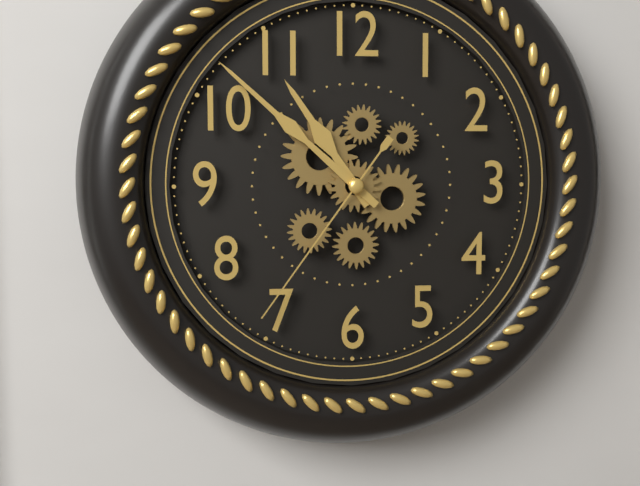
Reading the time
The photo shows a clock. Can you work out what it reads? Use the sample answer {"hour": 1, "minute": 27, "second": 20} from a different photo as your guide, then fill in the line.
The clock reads {"hour": 10, "minute": 52, "second": 36}
